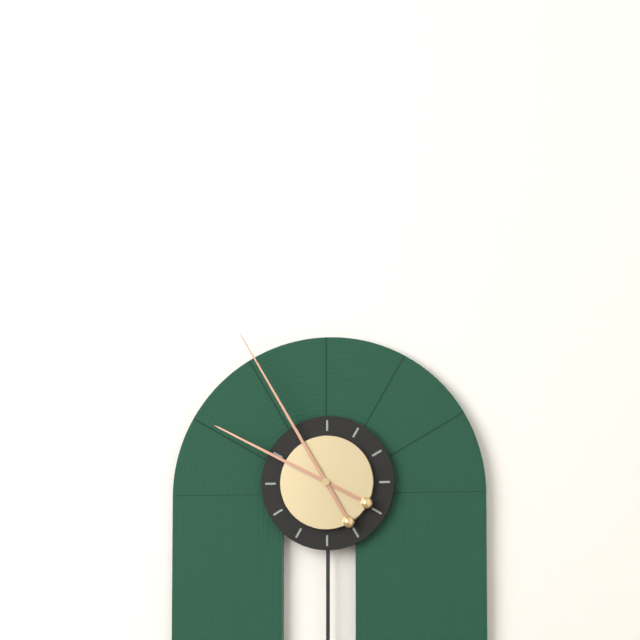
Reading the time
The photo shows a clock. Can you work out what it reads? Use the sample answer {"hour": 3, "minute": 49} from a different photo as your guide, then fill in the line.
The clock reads {"hour": 9, "minute": 55}
